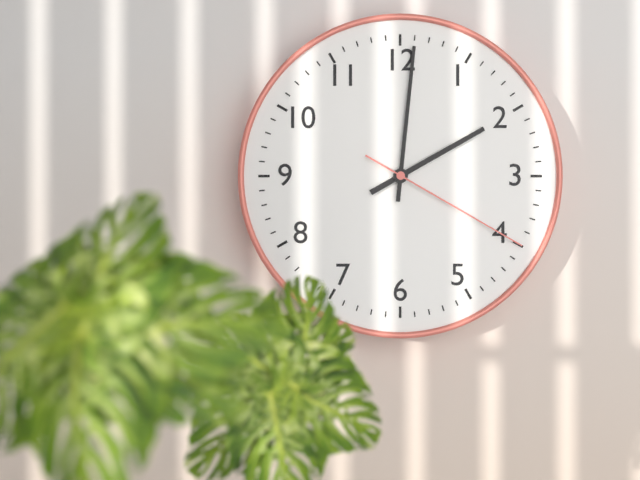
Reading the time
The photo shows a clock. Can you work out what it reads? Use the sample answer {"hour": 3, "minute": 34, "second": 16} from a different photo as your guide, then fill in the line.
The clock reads {"hour": 2, "minute": 1, "second": 20}
